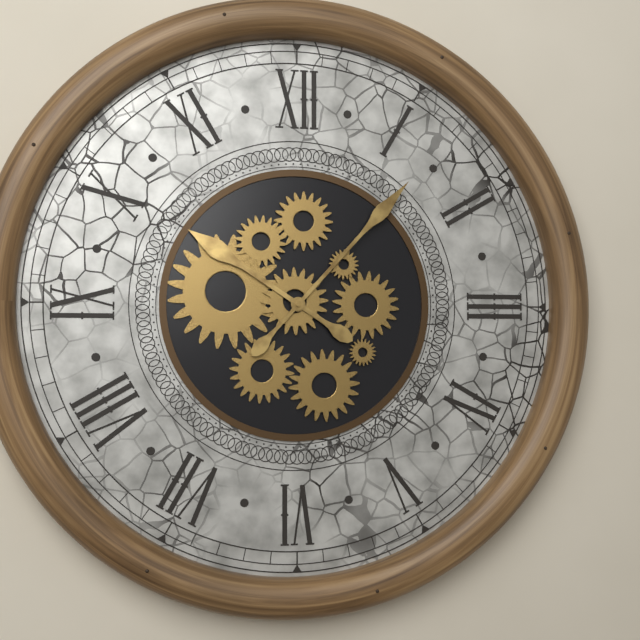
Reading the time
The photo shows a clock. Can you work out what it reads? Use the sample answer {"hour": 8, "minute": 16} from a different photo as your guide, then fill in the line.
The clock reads {"hour": 10, "minute": 7}
